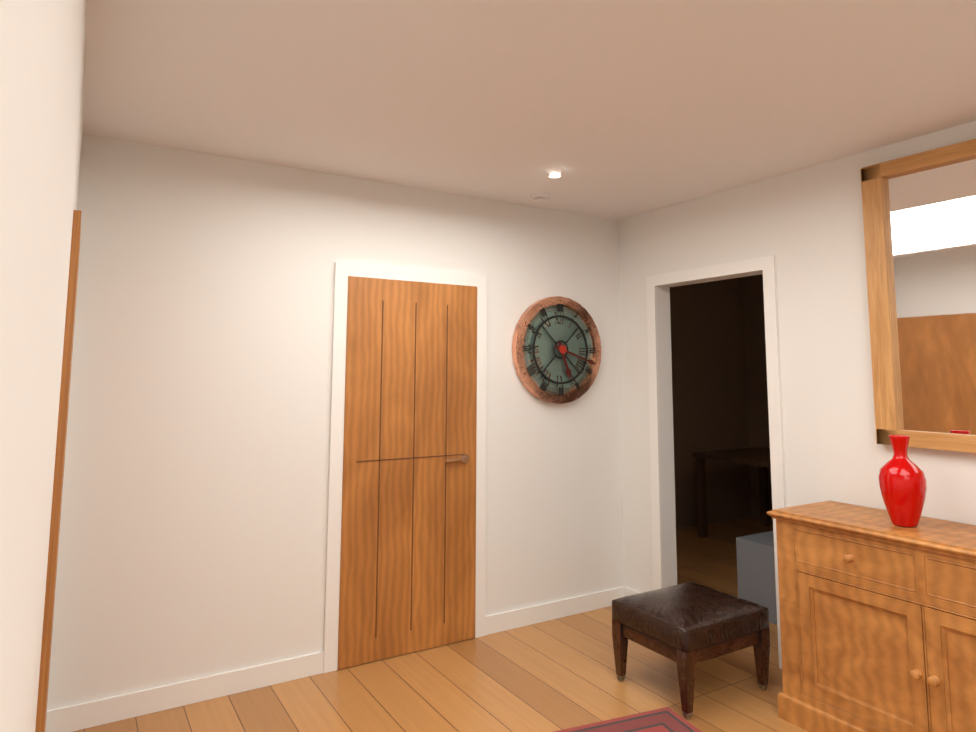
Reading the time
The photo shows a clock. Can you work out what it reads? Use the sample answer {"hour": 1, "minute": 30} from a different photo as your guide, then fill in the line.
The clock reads {"hour": 5, "minute": 18}
